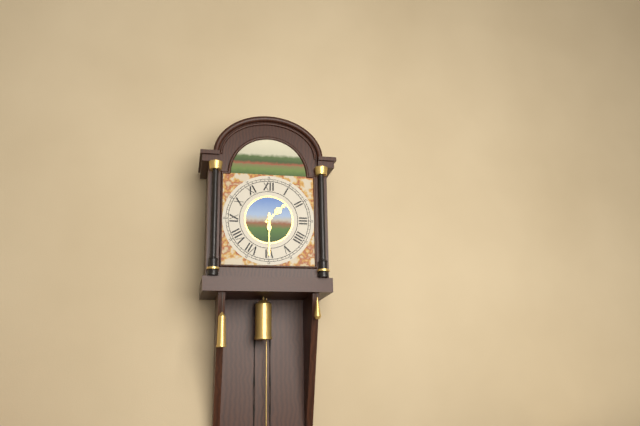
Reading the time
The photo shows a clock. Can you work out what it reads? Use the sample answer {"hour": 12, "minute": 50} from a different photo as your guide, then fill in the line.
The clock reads {"hour": 1, "minute": 30}
